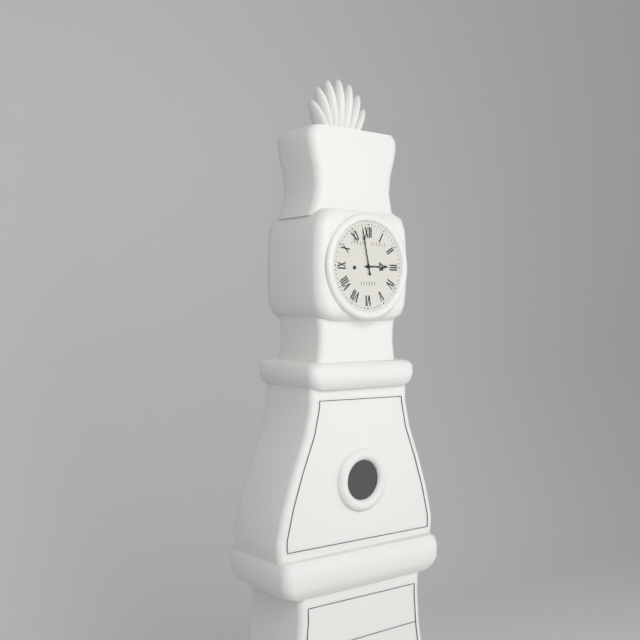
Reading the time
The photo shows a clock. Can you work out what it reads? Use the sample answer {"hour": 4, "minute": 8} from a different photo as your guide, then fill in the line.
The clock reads {"hour": 2, "minute": 58}
